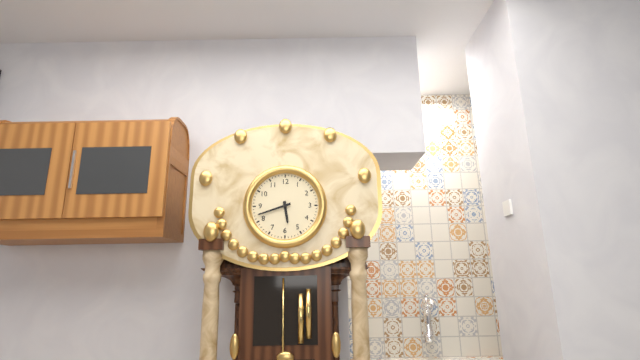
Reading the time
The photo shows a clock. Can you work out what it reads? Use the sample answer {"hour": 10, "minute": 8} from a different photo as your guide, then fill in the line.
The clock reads {"hour": 5, "minute": 42}
